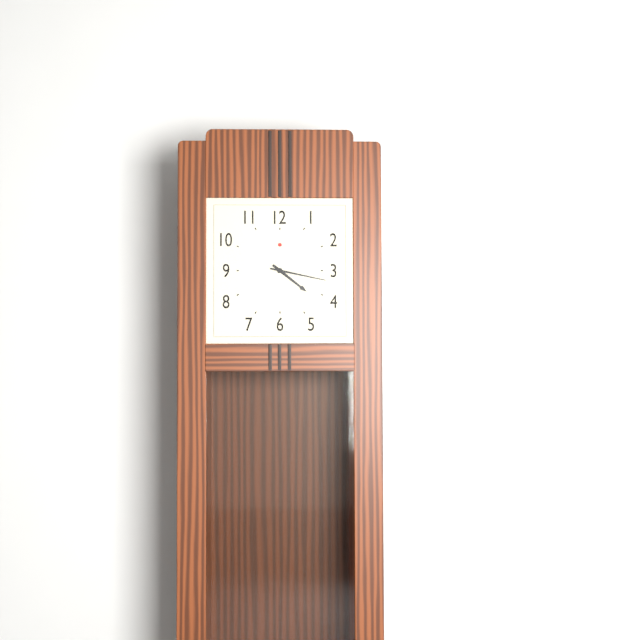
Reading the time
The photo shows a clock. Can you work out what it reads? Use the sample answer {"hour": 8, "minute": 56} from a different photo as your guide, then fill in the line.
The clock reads {"hour": 4, "minute": 17}
